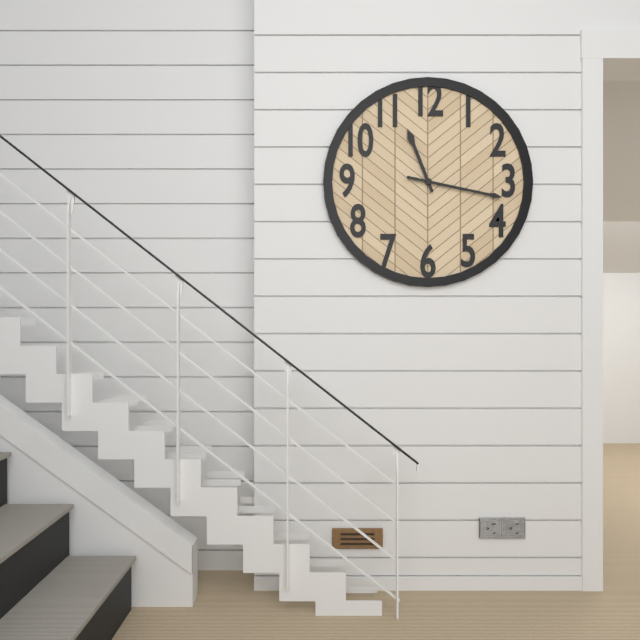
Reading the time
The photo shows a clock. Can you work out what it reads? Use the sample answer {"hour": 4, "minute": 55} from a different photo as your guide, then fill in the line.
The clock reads {"hour": 11, "minute": 17}
